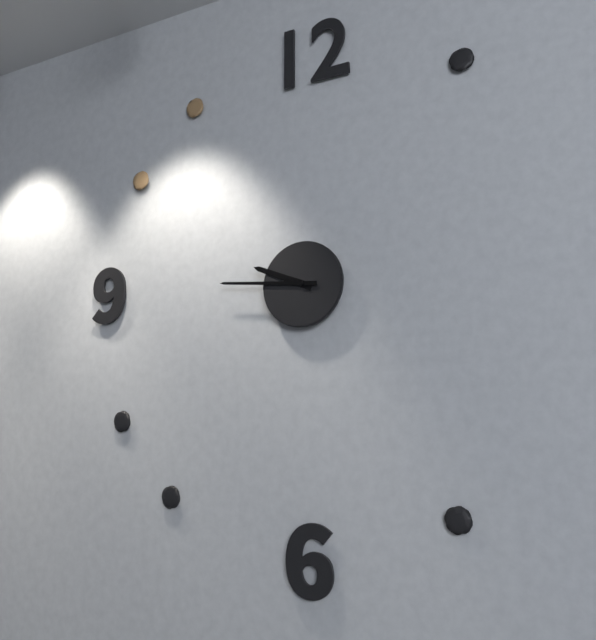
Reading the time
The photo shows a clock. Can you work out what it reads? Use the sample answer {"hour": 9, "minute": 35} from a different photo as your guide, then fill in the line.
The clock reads {"hour": 9, "minute": 46}
